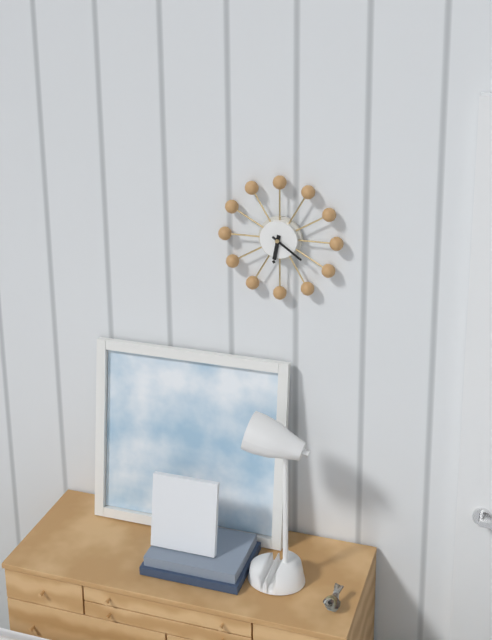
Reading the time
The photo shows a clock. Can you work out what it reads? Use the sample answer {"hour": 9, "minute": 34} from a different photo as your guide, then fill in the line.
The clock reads {"hour": 6, "minute": 21}
